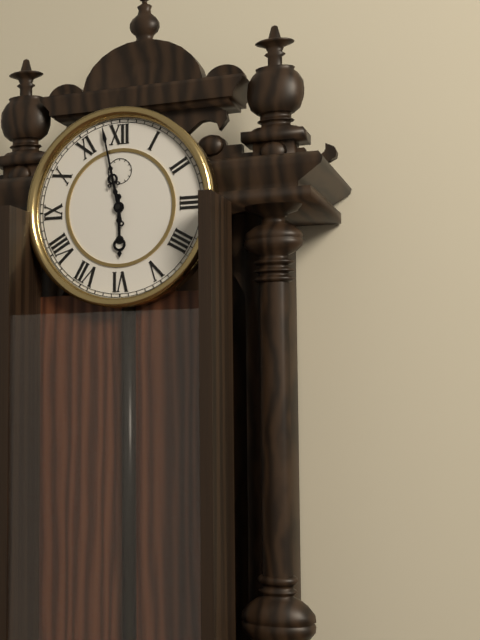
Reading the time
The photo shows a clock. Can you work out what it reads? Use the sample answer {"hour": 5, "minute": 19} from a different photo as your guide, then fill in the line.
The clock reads {"hour": 5, "minute": 58}
